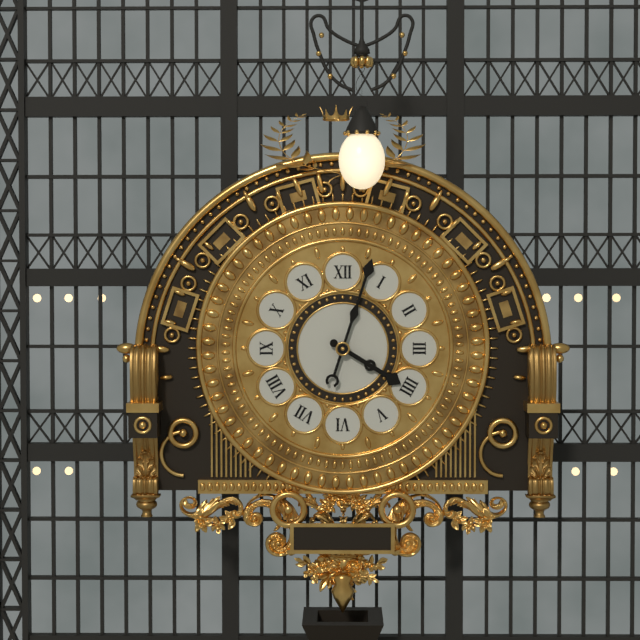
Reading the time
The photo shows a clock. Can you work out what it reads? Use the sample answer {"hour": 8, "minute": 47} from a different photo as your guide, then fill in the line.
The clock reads {"hour": 4, "minute": 3}
